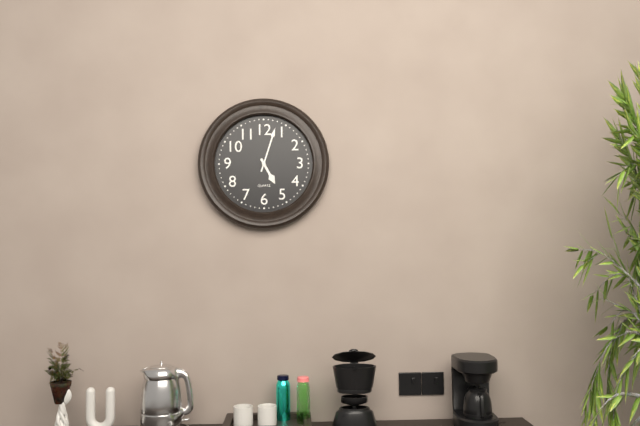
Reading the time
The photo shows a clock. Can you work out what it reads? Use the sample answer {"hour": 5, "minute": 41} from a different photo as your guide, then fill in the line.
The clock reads {"hour": 5, "minute": 3}
